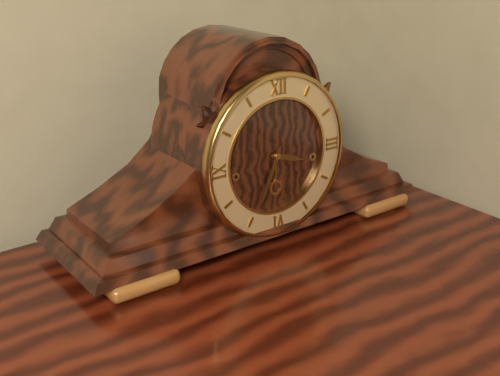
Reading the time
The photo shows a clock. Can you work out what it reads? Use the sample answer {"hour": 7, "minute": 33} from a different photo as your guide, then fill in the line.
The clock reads {"hour": 3, "minute": 34}
